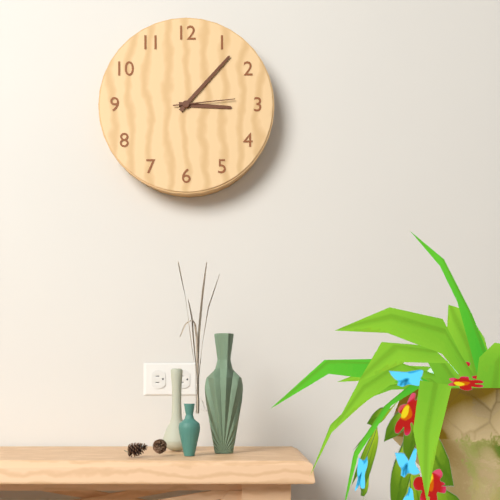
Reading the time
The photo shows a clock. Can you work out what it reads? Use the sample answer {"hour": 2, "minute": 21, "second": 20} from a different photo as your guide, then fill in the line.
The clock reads {"hour": 3, "minute": 7, "second": 14}
